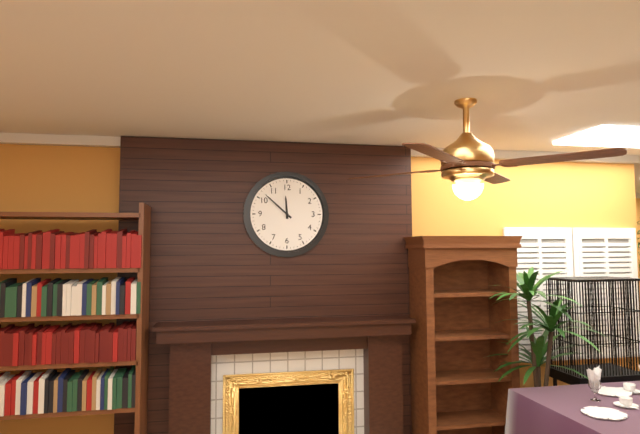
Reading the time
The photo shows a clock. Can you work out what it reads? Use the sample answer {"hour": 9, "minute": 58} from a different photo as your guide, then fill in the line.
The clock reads {"hour": 11, "minute": 52}
